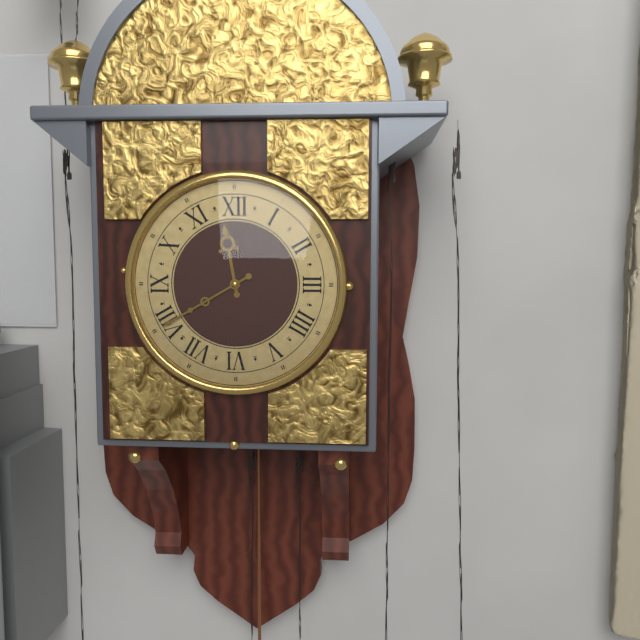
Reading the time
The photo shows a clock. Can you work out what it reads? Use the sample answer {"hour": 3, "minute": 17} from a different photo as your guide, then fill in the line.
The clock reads {"hour": 11, "minute": 40}
